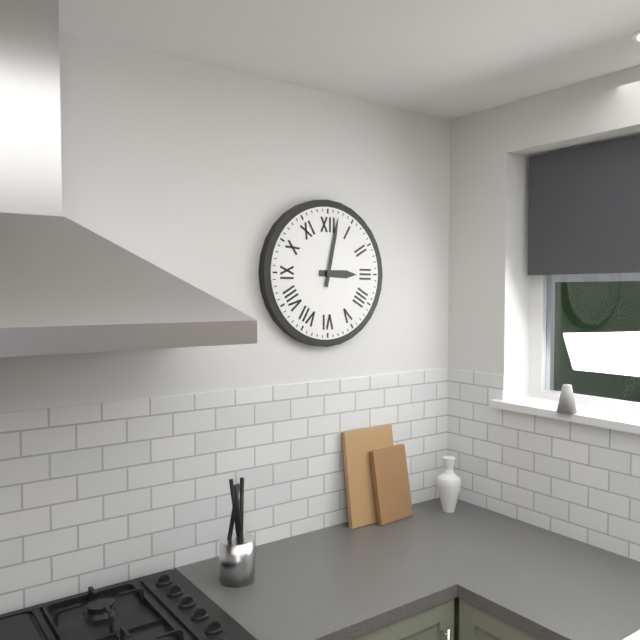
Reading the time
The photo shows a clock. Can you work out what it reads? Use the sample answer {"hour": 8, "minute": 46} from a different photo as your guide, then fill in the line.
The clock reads {"hour": 3, "minute": 2}
